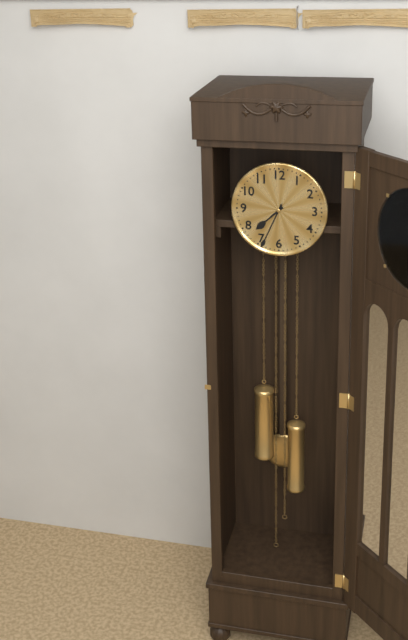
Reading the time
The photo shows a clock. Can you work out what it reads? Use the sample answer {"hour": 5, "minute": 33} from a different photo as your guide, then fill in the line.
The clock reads {"hour": 7, "minute": 34}
